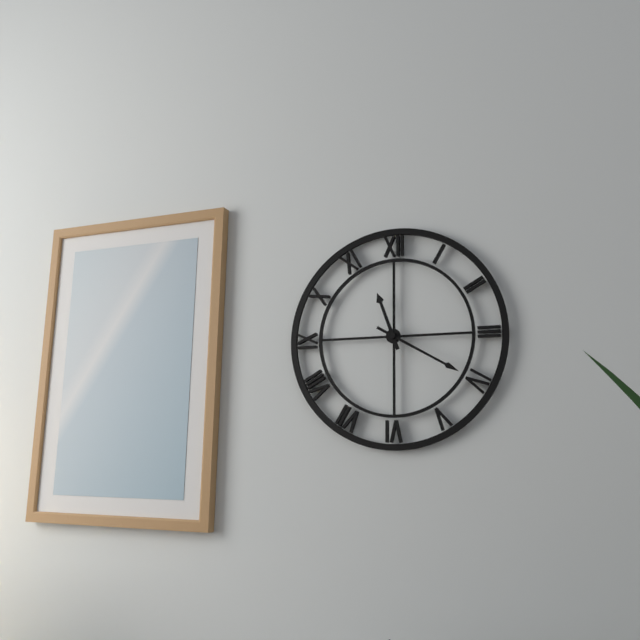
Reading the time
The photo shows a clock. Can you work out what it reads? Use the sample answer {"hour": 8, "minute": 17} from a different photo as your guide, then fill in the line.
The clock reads {"hour": 11, "minute": 20}
